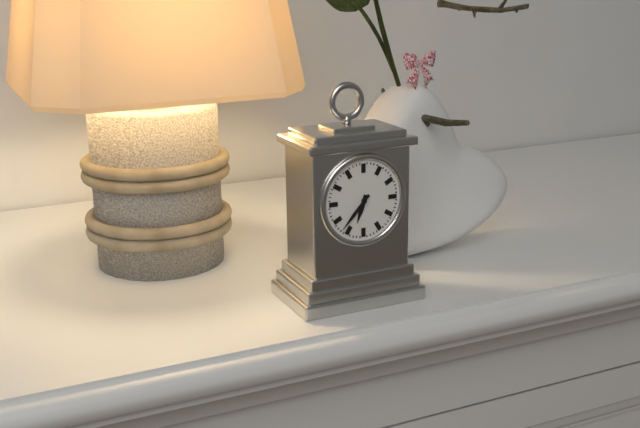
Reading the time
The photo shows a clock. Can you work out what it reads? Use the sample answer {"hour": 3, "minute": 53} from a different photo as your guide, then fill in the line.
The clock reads {"hour": 6, "minute": 37}
